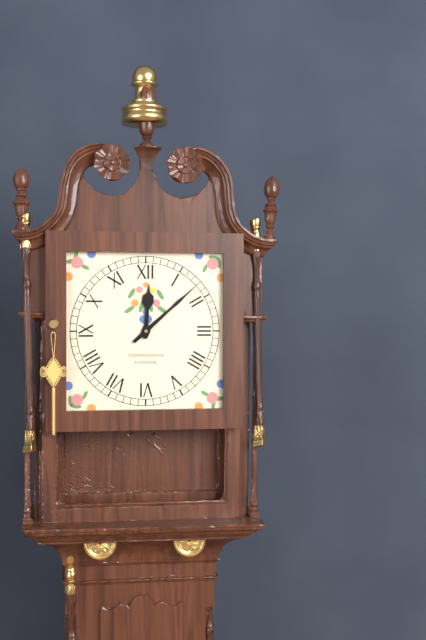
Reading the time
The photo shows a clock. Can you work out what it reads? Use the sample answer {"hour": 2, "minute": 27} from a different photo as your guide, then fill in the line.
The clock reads {"hour": 12, "minute": 8}
